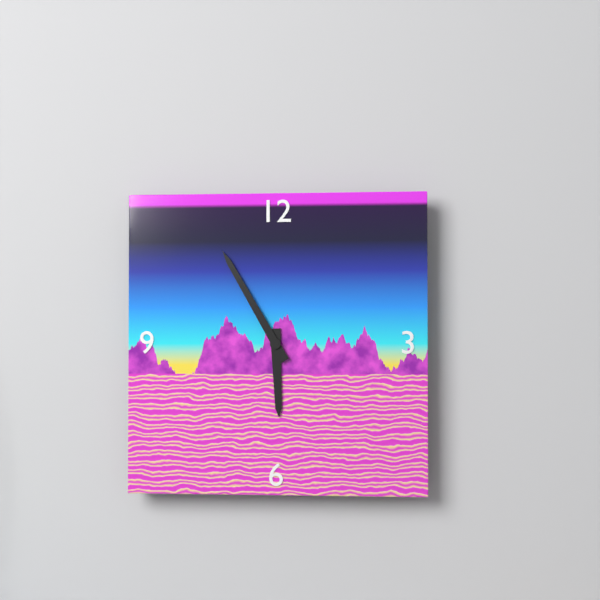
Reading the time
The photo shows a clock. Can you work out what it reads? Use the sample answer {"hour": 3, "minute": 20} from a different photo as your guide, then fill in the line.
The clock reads {"hour": 5, "minute": 55}
